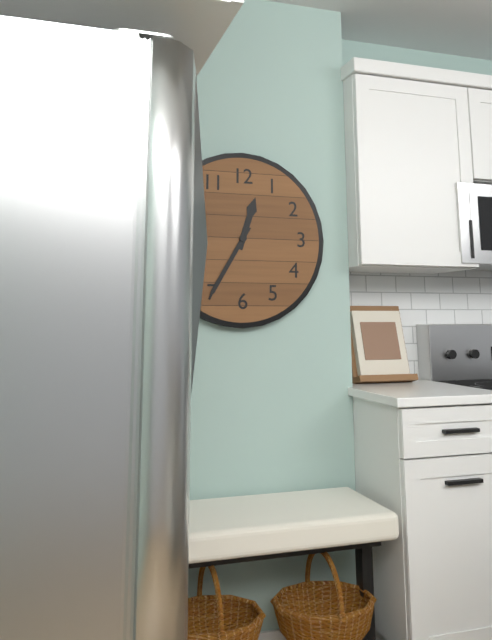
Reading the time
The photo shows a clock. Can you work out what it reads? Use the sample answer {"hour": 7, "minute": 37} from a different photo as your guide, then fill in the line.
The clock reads {"hour": 12, "minute": 35}
